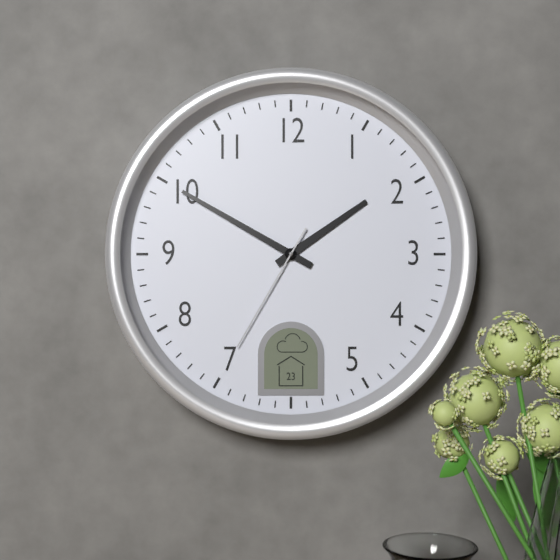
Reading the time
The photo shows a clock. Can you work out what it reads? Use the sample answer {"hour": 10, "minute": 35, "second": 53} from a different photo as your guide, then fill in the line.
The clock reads {"hour": 1, "minute": 50, "second": 35}
